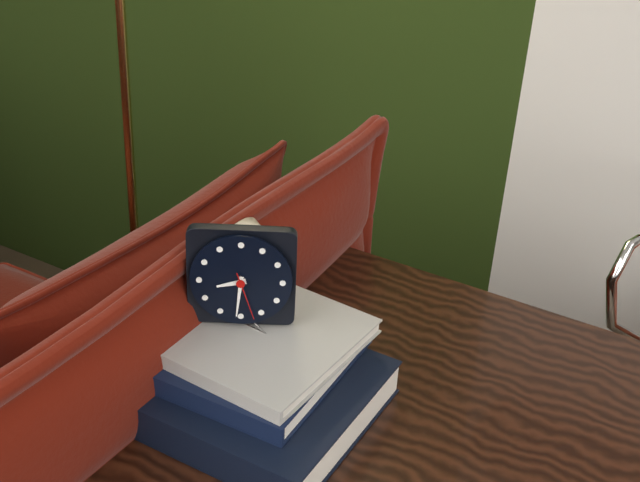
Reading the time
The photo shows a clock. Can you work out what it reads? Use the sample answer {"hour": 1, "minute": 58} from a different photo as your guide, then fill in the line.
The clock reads {"hour": 8, "minute": 31}
